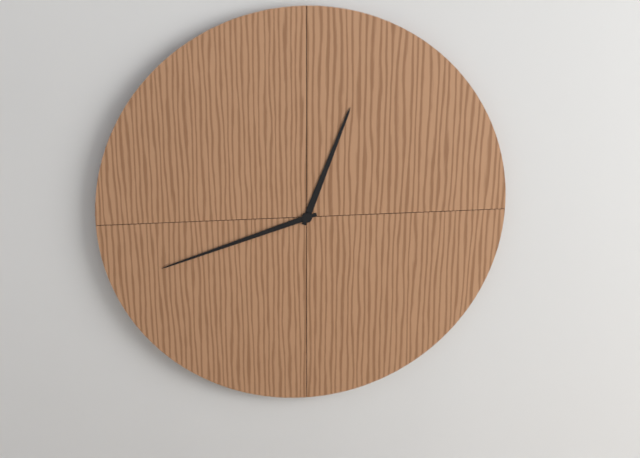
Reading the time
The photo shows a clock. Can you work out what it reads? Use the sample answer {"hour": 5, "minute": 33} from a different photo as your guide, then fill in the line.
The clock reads {"hour": 12, "minute": 42}
